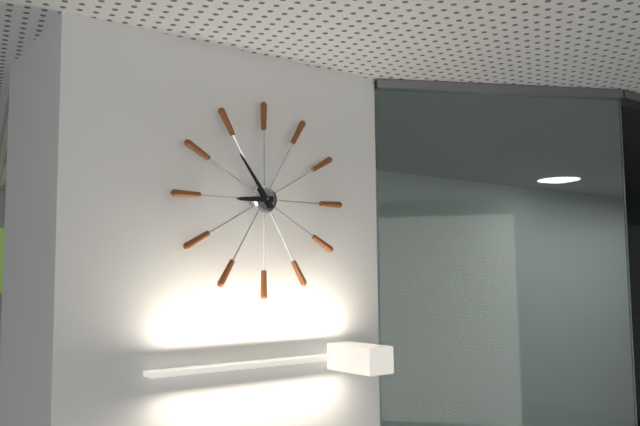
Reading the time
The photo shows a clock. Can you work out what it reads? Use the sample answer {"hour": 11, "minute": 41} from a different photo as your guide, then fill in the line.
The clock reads {"hour": 8, "minute": 54}
